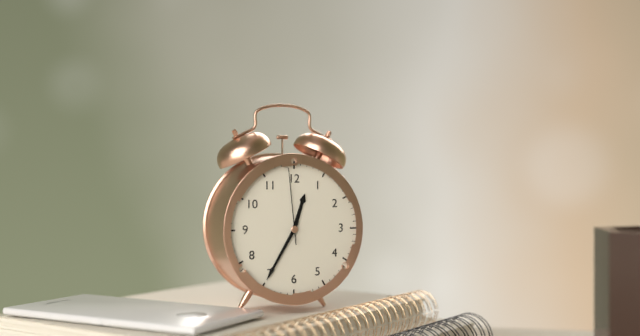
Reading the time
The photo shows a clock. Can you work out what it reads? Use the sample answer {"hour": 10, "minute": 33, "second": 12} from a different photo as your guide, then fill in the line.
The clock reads {"hour": 12, "minute": 35, "second": 59}
